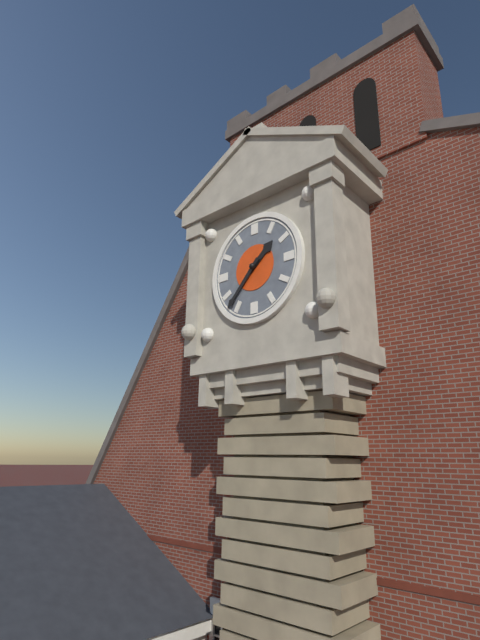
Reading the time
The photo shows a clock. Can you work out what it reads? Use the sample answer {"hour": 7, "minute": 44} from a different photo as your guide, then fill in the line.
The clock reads {"hour": 1, "minute": 37}
